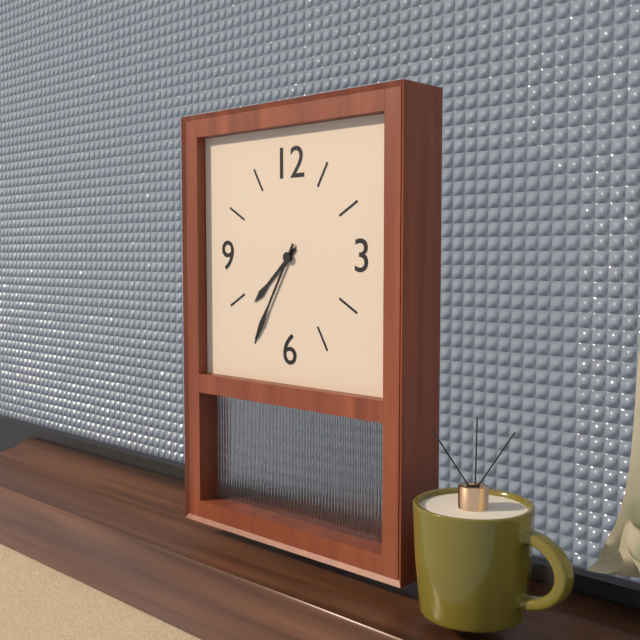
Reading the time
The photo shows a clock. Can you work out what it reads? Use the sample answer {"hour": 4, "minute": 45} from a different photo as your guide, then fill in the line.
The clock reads {"hour": 7, "minute": 35}
